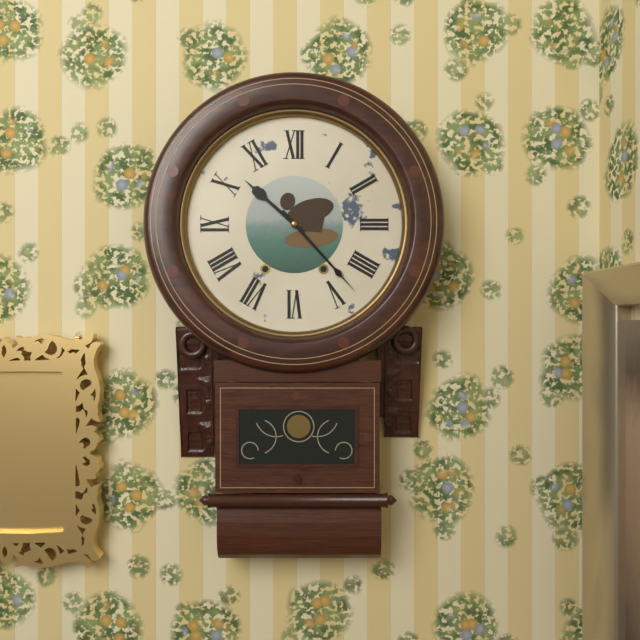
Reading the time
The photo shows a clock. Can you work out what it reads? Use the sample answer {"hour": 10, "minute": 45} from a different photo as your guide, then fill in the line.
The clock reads {"hour": 10, "minute": 23}
